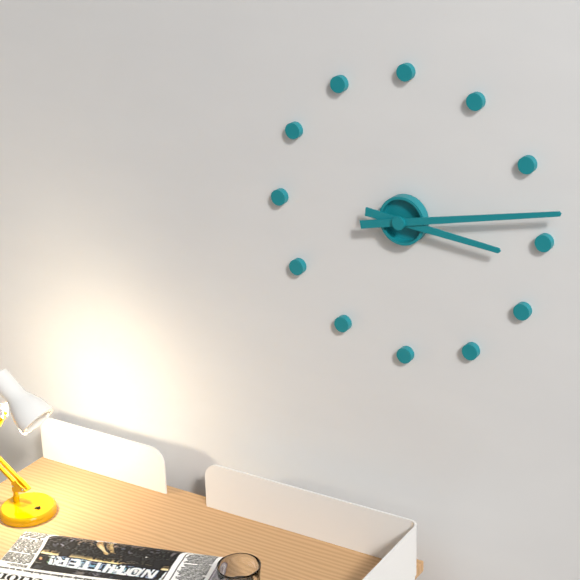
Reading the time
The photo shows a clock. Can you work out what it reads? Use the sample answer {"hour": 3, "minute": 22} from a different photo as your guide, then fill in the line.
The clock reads {"hour": 3, "minute": 13}
